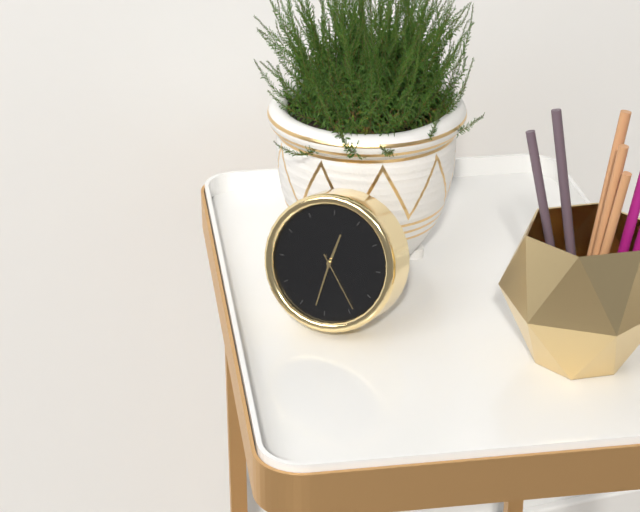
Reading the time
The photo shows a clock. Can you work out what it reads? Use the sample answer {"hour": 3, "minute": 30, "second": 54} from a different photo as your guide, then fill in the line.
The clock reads {"hour": 12, "minute": 32, "second": 24}
